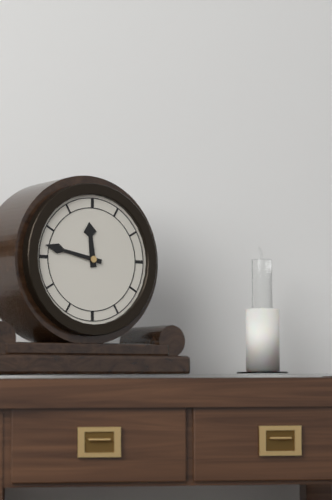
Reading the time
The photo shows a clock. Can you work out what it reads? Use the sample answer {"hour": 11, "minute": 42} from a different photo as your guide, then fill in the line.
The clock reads {"hour": 11, "minute": 47}
